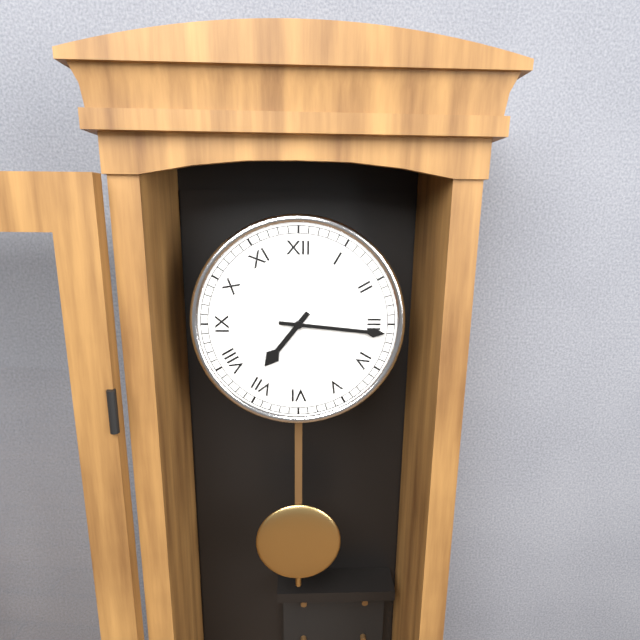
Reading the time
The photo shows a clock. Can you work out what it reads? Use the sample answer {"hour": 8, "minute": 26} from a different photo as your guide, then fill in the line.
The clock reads {"hour": 7, "minute": 16}
